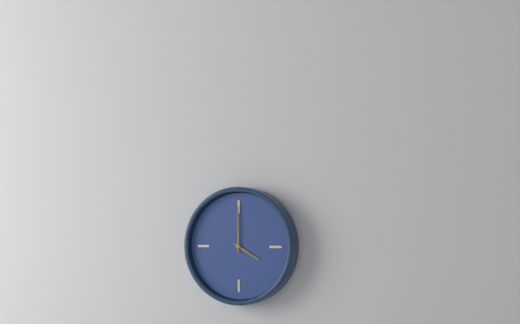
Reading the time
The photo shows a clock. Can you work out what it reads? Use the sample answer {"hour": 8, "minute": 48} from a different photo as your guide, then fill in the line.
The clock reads {"hour": 4, "minute": 0}
